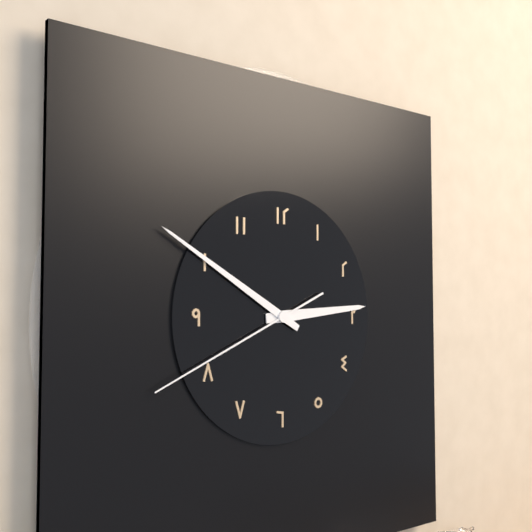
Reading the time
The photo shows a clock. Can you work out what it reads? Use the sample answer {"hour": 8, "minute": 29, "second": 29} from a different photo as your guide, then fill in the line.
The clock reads {"hour": 2, "minute": 50, "second": 41}
